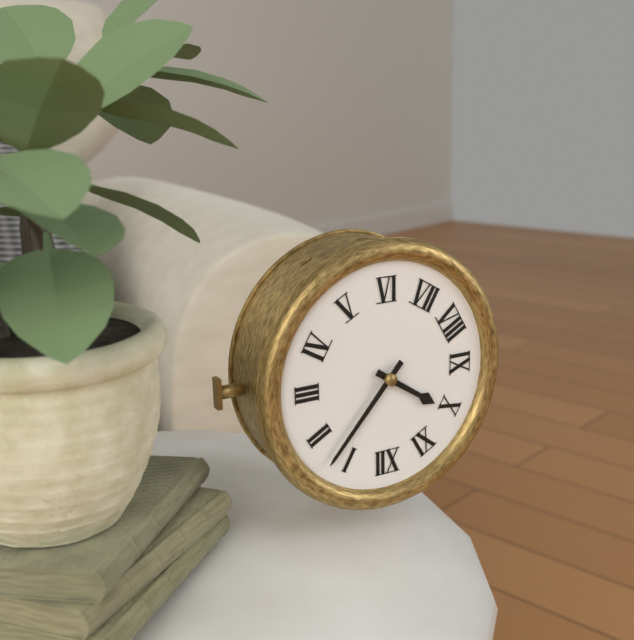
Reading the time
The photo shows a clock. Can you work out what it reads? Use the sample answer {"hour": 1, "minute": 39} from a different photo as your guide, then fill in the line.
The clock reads {"hour": 10, "minute": 7}
